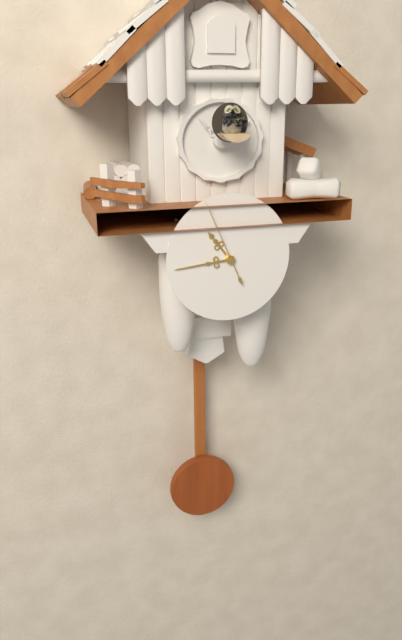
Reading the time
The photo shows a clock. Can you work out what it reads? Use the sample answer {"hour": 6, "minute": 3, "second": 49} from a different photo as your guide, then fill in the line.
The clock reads {"hour": 10, "minute": 44, "second": 56}
